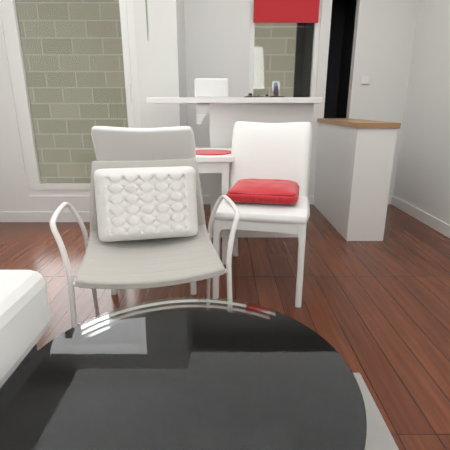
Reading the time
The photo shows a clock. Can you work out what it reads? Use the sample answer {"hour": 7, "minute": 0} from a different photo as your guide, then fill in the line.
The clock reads {"hour": 3, "minute": 2}
